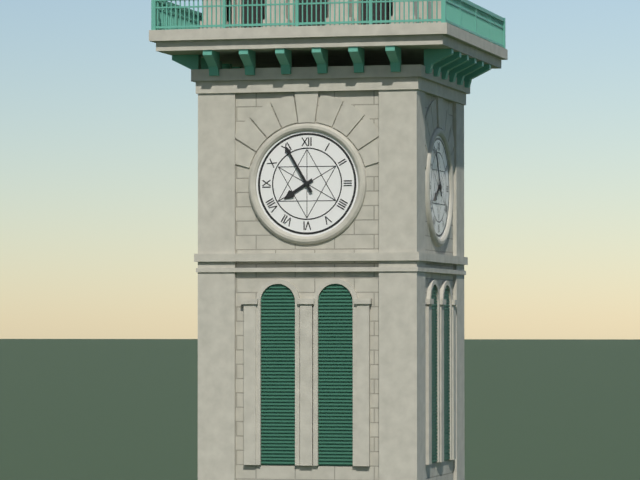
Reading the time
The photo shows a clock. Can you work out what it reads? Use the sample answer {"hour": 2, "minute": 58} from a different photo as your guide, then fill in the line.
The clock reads {"hour": 7, "minute": 55}
